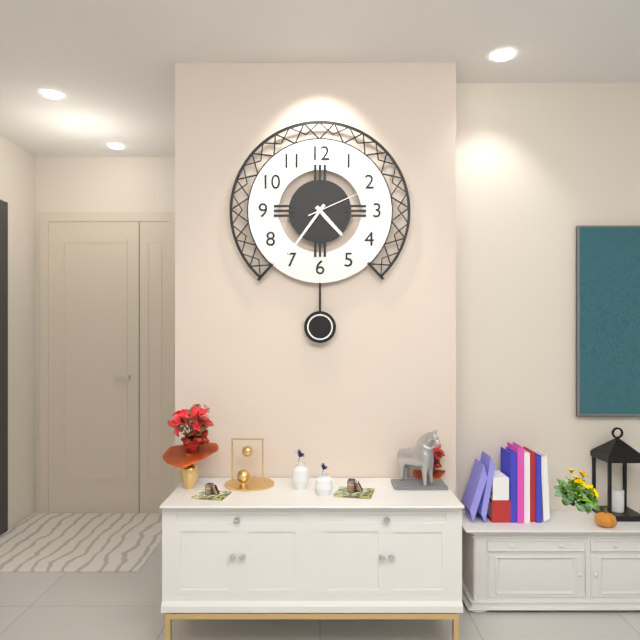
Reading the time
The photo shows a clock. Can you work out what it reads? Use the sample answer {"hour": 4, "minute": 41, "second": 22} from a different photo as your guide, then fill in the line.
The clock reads {"hour": 4, "minute": 36, "second": 11}
